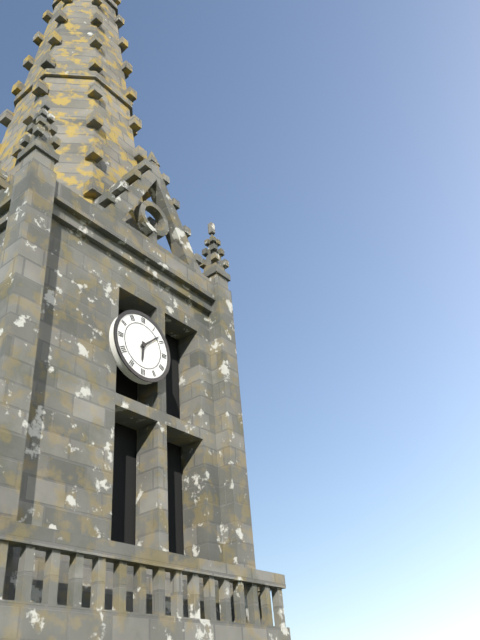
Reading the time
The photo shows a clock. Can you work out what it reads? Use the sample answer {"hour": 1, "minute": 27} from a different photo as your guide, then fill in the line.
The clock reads {"hour": 6, "minute": 8}
